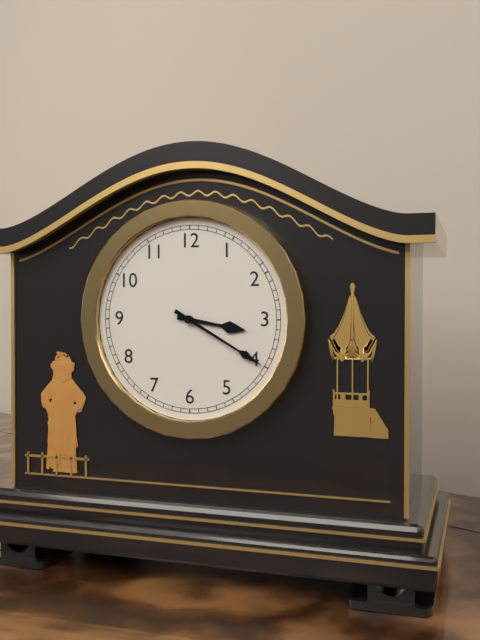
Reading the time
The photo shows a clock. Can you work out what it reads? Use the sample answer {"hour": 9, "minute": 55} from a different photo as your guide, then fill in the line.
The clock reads {"hour": 3, "minute": 20}
